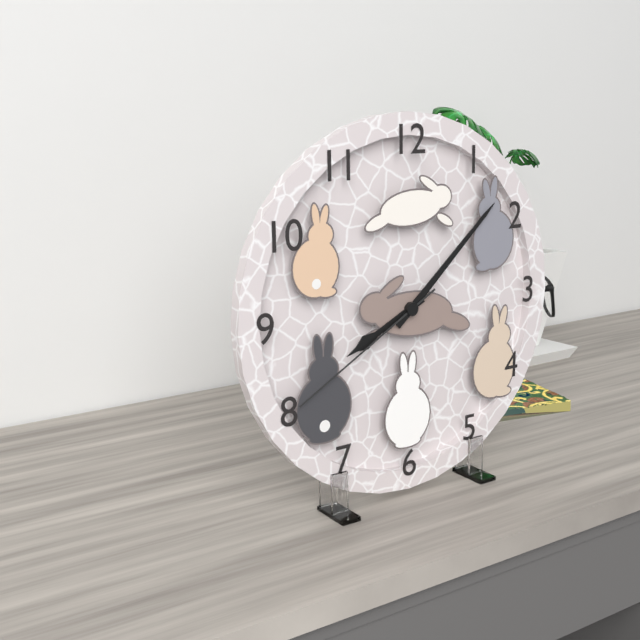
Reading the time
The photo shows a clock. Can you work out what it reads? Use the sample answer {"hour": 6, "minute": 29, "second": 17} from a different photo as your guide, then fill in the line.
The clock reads {"hour": 8, "minute": 8, "second": 40}
